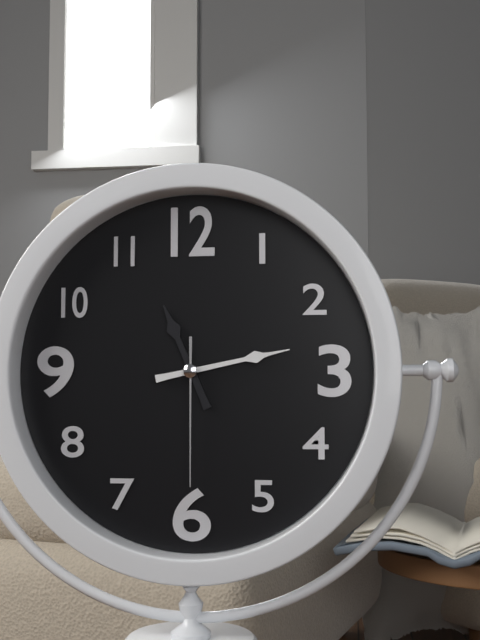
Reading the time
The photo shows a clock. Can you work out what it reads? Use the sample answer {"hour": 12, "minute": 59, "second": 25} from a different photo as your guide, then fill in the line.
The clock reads {"hour": 11, "minute": 13, "second": 30}
